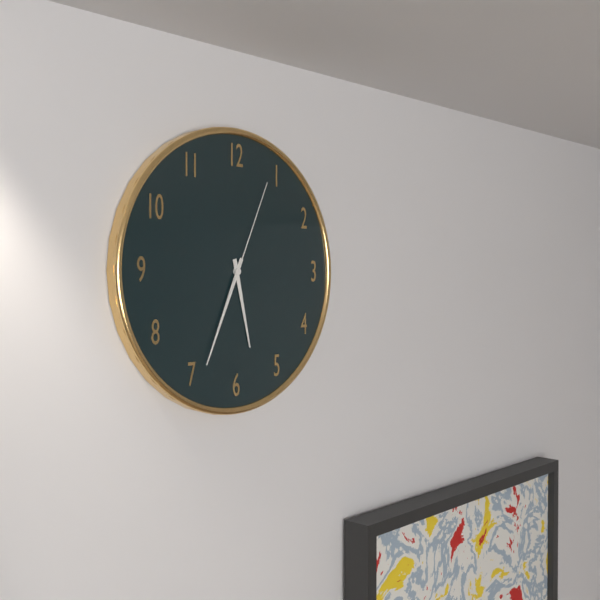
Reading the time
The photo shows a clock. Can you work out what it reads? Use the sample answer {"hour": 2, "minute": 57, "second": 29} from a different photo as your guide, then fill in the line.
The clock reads {"hour": 5, "minute": 34, "second": 4}
